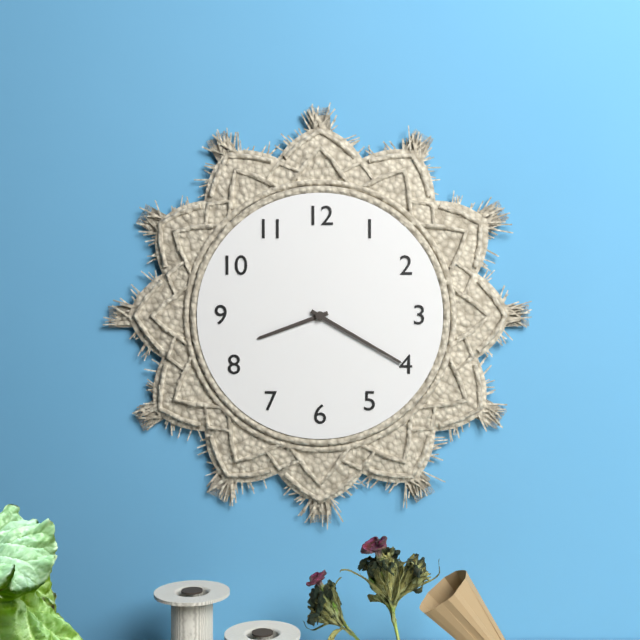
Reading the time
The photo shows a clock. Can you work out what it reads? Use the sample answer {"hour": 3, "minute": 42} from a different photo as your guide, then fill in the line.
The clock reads {"hour": 8, "minute": 20}
